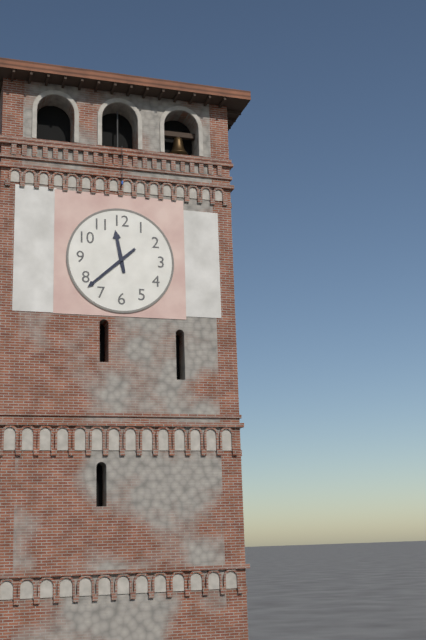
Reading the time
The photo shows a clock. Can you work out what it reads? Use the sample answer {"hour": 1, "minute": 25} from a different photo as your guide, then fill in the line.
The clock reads {"hour": 11, "minute": 38}
